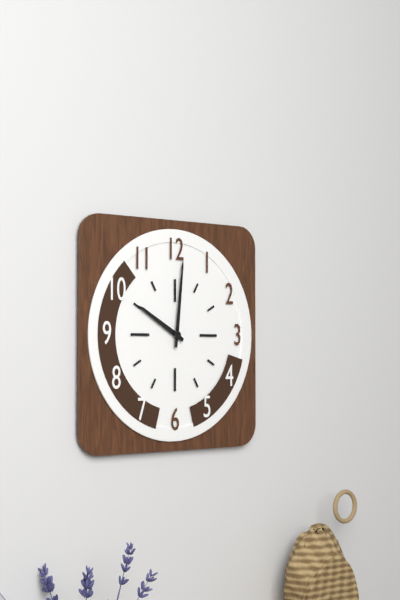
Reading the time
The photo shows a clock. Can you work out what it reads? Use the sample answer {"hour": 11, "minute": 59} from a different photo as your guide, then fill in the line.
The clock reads {"hour": 10, "minute": 1}
